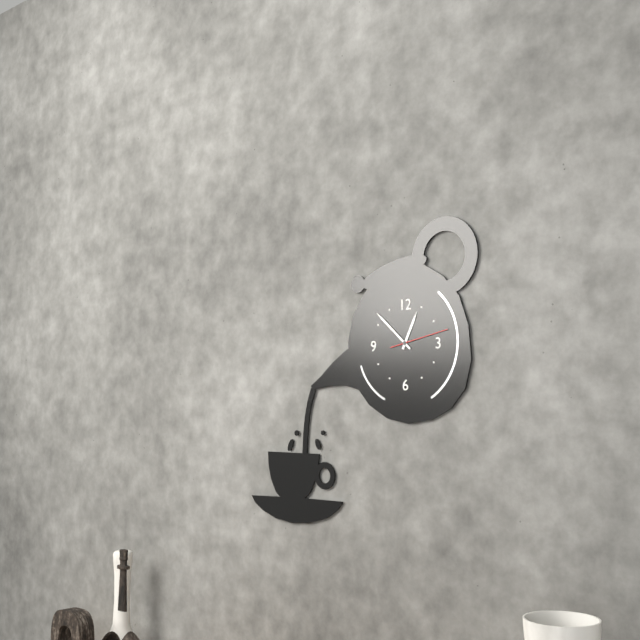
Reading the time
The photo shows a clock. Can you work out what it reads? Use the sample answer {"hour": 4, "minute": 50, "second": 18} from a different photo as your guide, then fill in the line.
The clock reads {"hour": 12, "minute": 52, "second": 13}
